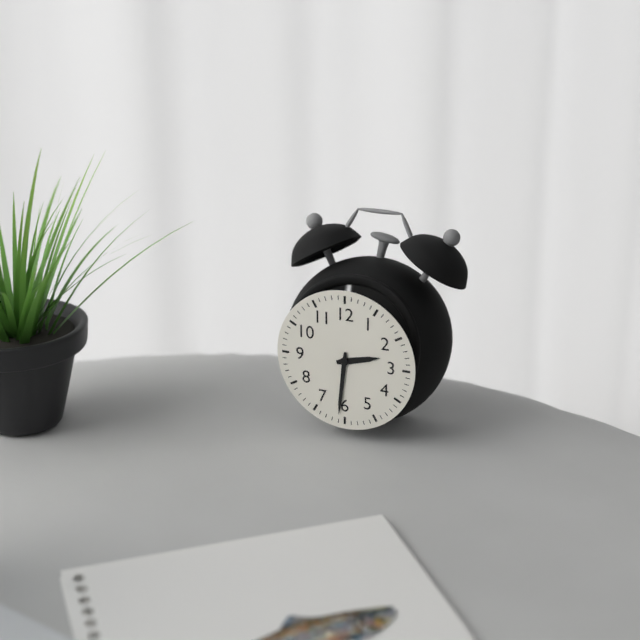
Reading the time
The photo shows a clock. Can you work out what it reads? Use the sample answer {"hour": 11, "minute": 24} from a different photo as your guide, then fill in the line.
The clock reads {"hour": 2, "minute": 31}
